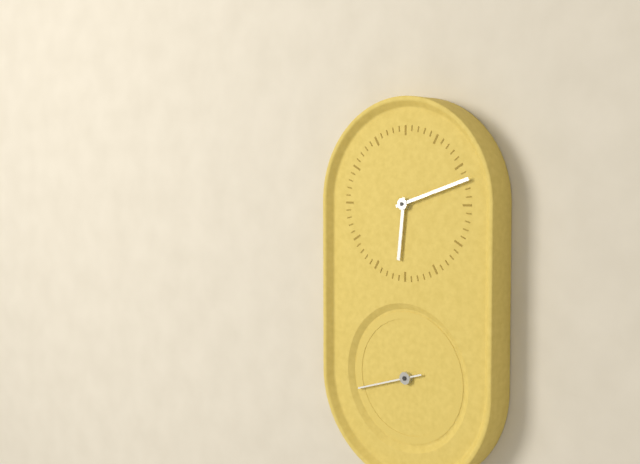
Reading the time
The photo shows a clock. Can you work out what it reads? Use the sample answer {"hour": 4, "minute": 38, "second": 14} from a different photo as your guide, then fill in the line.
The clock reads {"hour": 6, "minute": 12, "second": 42}
